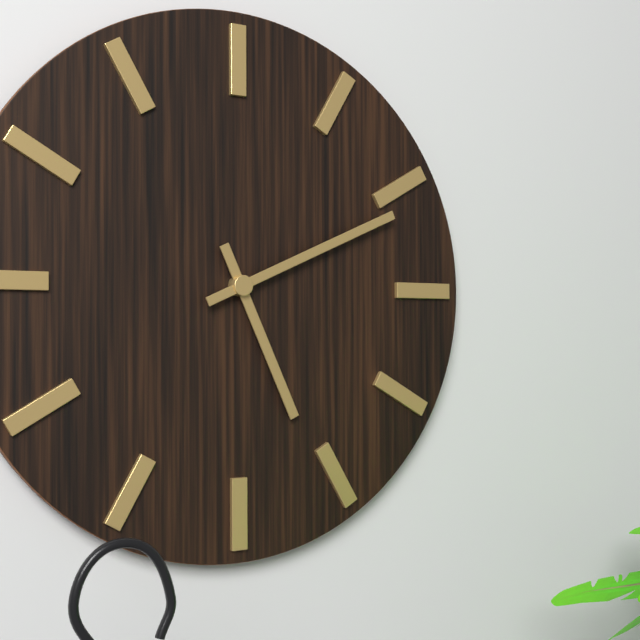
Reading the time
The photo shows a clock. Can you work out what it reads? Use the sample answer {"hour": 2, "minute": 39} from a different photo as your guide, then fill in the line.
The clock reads {"hour": 5, "minute": 11}
